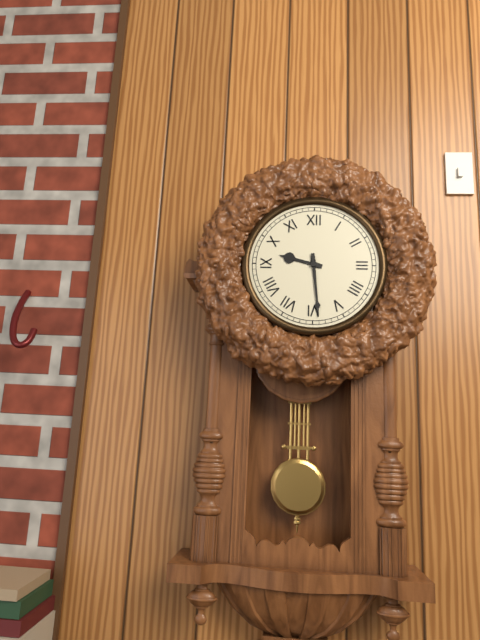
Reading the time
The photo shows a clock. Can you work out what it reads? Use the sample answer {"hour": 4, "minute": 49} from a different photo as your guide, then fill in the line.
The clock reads {"hour": 9, "minute": 29}
